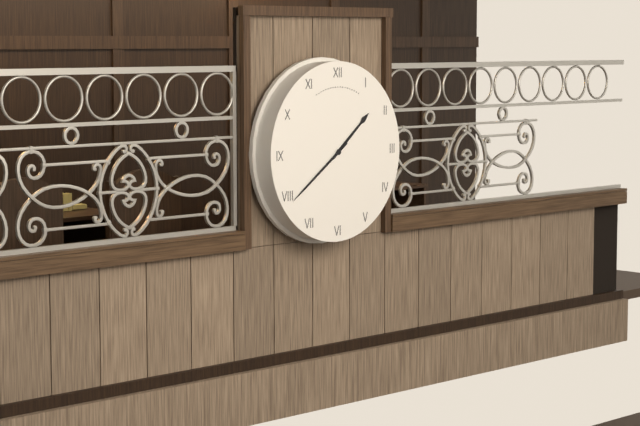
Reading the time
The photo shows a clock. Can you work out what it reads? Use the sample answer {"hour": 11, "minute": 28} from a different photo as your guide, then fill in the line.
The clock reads {"hour": 1, "minute": 39}
